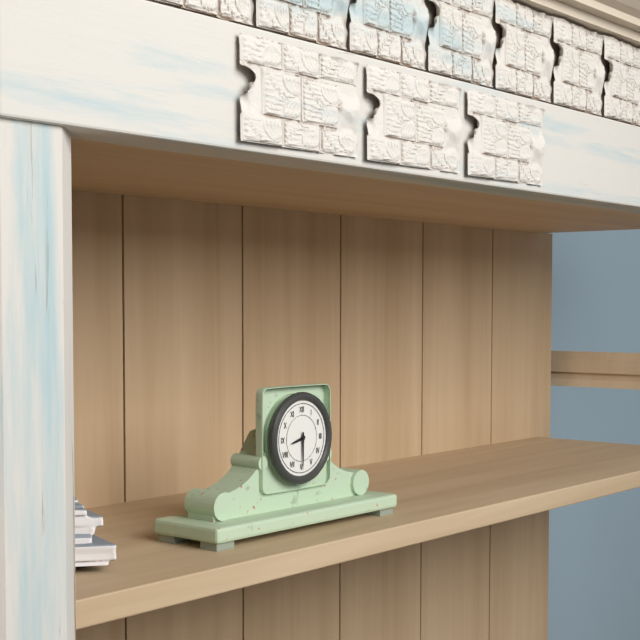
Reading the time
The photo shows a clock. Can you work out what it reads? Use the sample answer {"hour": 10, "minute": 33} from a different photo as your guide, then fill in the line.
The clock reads {"hour": 8, "minute": 30}
